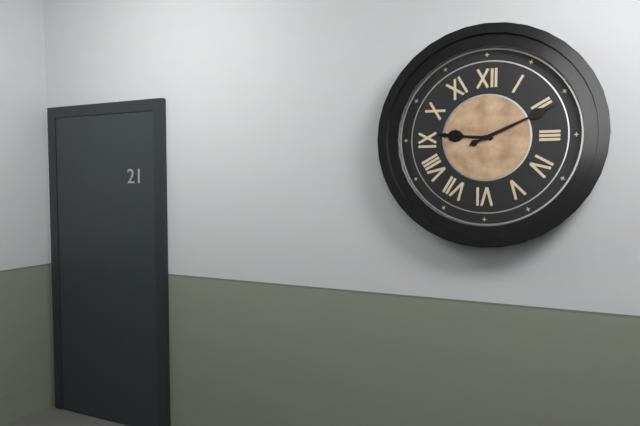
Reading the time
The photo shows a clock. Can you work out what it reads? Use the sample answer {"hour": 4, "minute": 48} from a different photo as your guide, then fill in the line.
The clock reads {"hour": 9, "minute": 11}
